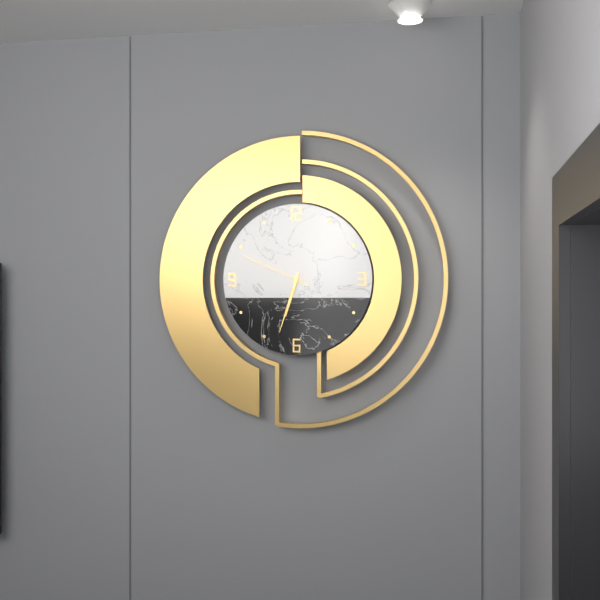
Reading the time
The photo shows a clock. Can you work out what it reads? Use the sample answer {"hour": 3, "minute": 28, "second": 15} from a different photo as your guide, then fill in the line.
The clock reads {"hour": 6, "minute": 33, "second": 49}
